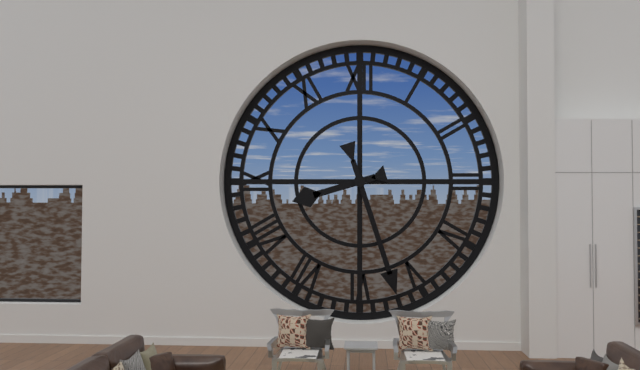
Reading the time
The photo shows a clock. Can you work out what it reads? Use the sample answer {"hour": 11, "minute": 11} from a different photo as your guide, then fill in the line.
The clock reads {"hour": 8, "minute": 27}
